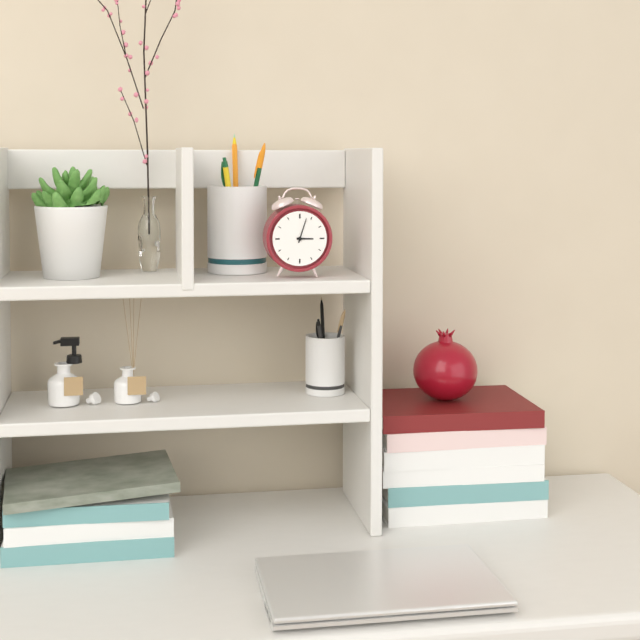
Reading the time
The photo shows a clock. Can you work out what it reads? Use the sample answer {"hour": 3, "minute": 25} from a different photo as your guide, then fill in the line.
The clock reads {"hour": 3, "minute": 3}
